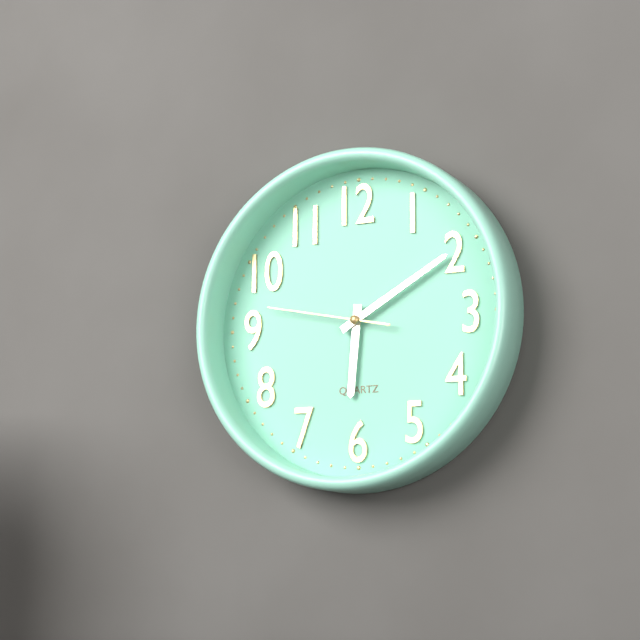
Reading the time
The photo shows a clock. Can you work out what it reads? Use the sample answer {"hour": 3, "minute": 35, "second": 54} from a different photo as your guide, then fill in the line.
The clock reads {"hour": 6, "minute": 10, "second": 47}
